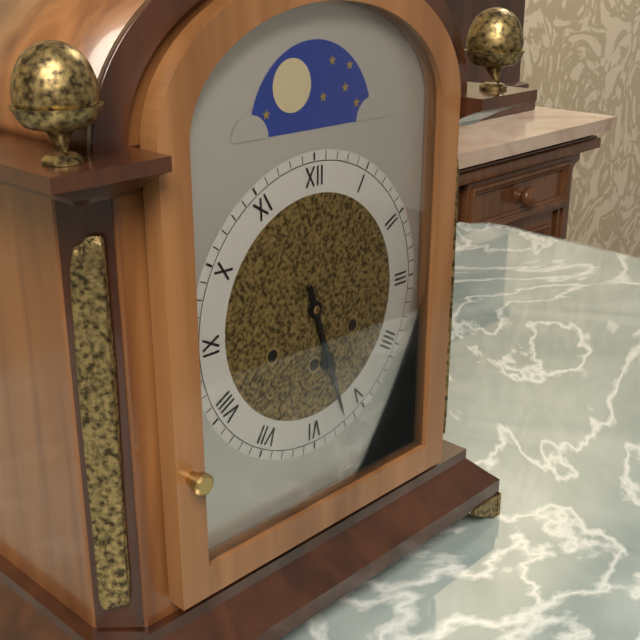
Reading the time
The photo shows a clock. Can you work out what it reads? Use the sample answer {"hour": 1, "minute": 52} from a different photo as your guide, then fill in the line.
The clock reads {"hour": 5, "minute": 27}
